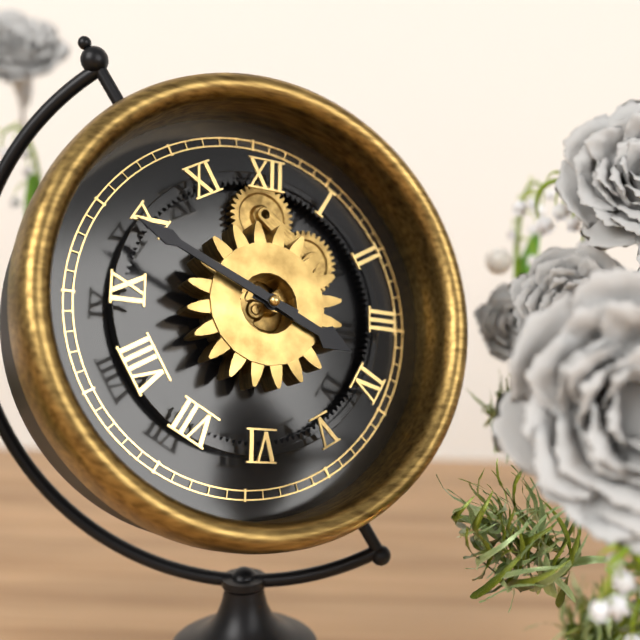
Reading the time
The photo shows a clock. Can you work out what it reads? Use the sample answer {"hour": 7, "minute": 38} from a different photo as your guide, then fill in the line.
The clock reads {"hour": 3, "minute": 49}
